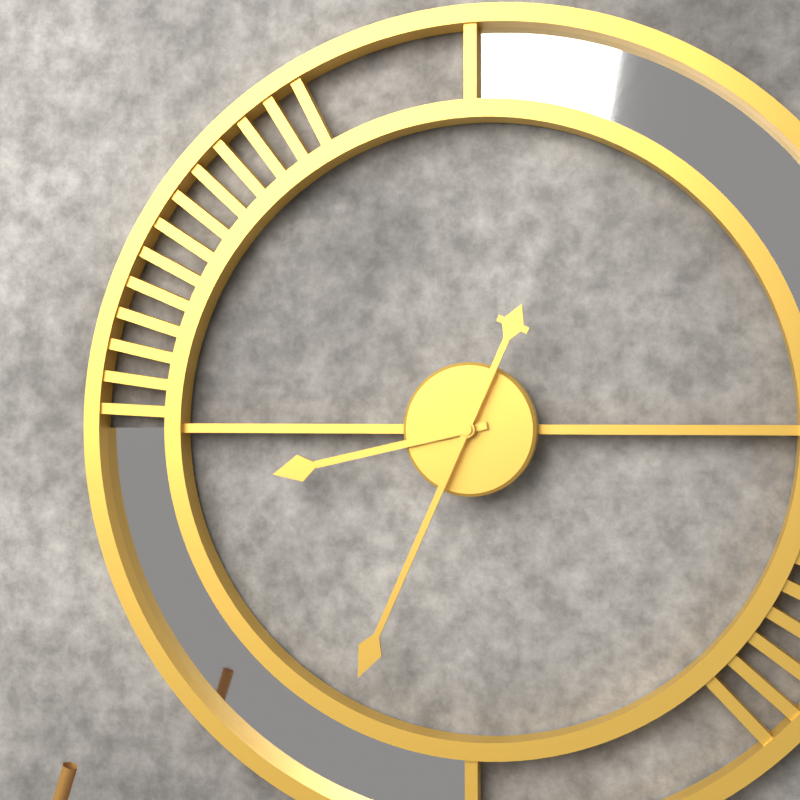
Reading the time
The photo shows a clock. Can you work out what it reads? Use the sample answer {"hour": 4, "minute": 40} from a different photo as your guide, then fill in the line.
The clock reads {"hour": 8, "minute": 34}
